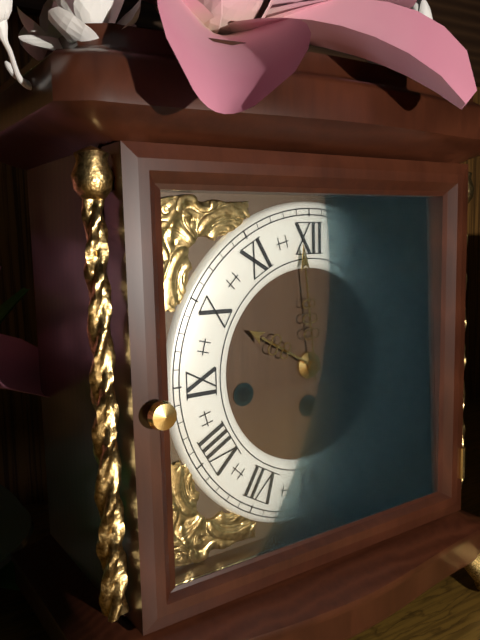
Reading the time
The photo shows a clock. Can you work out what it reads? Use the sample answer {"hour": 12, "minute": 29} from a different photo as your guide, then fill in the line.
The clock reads {"hour": 9, "minute": 59}
